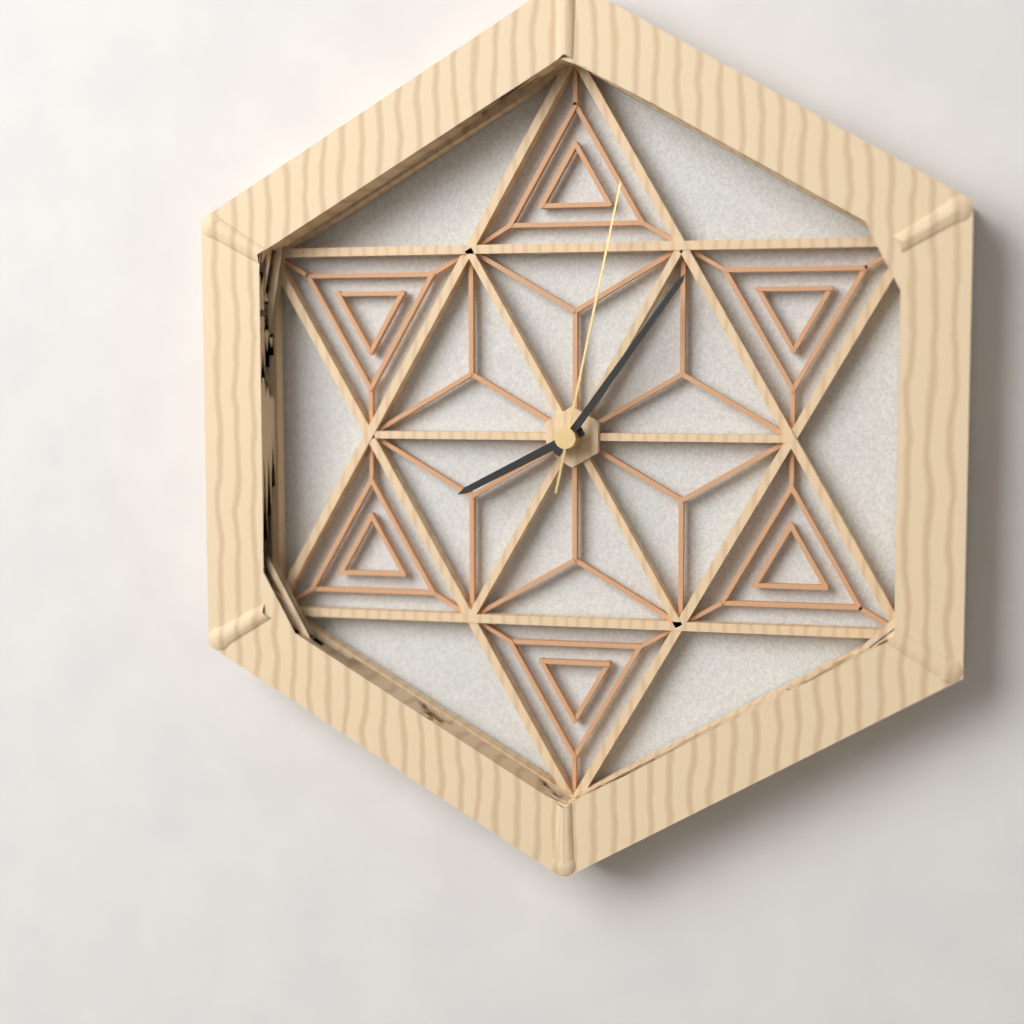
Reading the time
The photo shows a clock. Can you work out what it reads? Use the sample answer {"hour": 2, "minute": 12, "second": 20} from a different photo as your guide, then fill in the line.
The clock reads {"hour": 8, "minute": 6, "second": 2}
